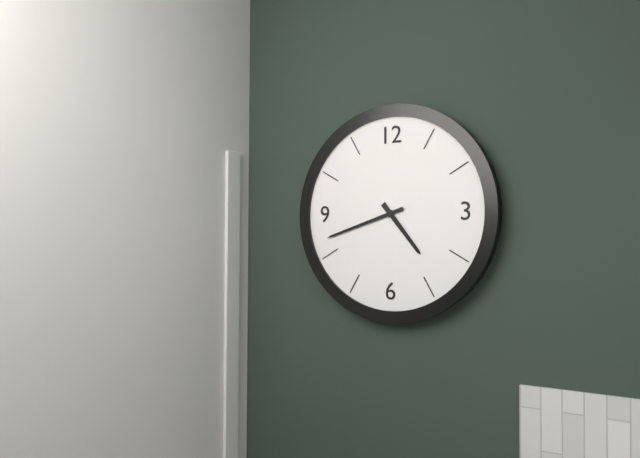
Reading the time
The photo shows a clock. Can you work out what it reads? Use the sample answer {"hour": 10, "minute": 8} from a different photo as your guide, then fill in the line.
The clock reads {"hour": 4, "minute": 42}
